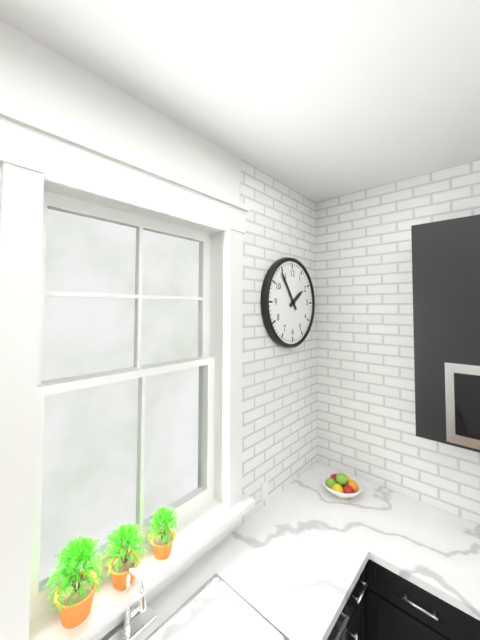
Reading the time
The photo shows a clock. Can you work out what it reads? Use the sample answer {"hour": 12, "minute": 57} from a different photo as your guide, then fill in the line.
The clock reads {"hour": 1, "minute": 54}
